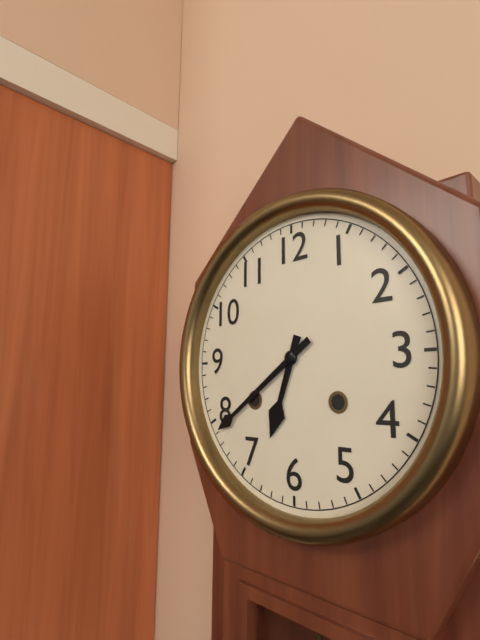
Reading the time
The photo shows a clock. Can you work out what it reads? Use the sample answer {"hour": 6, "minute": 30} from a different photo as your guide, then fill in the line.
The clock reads {"hour": 6, "minute": 39}
